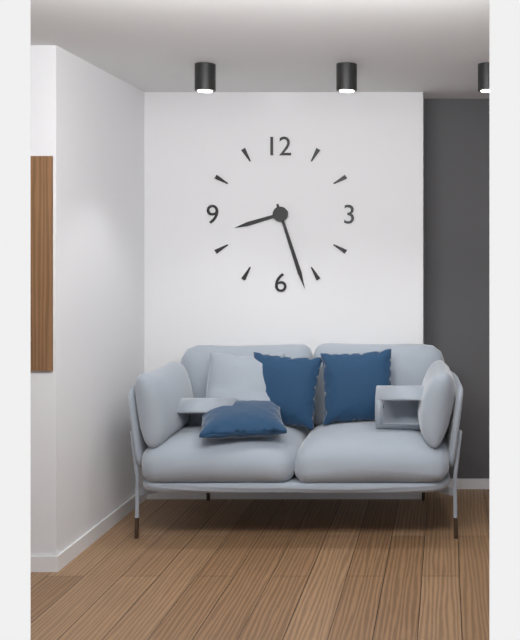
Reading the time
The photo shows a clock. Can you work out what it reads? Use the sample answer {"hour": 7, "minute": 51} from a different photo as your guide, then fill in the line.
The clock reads {"hour": 8, "minute": 27}
